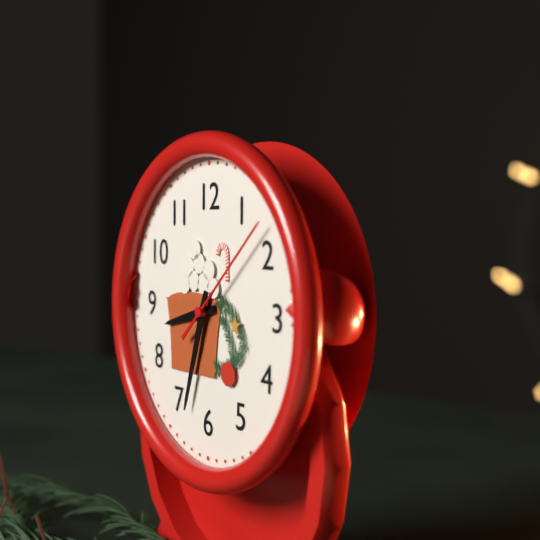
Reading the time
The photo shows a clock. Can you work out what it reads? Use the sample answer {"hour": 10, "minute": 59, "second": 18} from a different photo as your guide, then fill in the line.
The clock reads {"hour": 8, "minute": 33, "second": 8}
